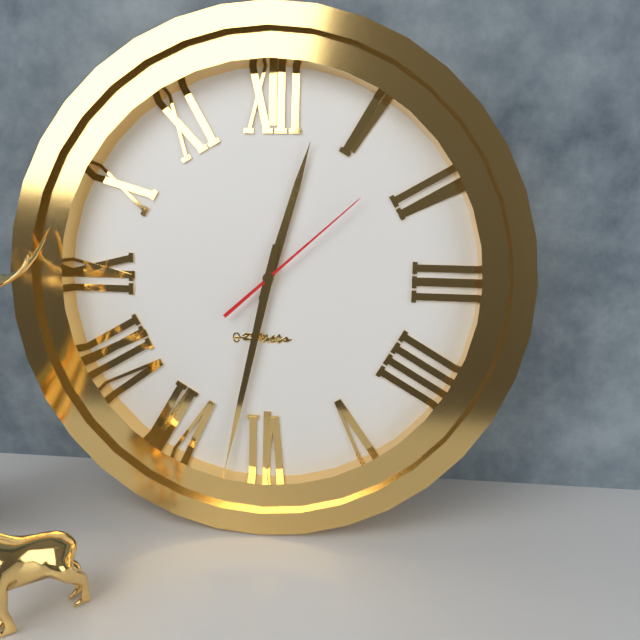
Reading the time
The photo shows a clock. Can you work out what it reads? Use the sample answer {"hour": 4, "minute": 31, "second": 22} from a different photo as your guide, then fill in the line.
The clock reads {"hour": 12, "minute": 32, "second": 8}
